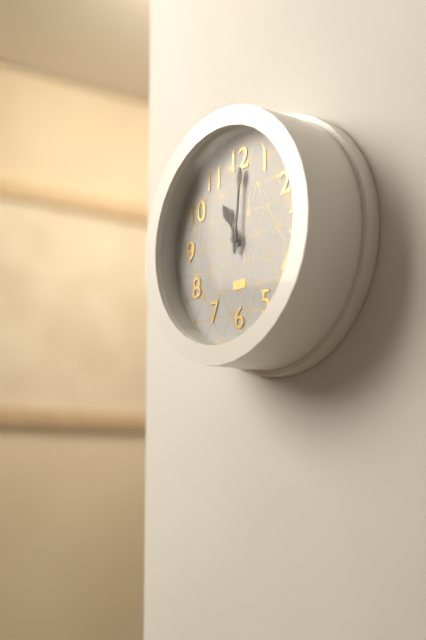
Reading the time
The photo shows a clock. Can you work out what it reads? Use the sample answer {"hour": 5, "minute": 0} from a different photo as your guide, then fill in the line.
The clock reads {"hour": 11, "minute": 1}
